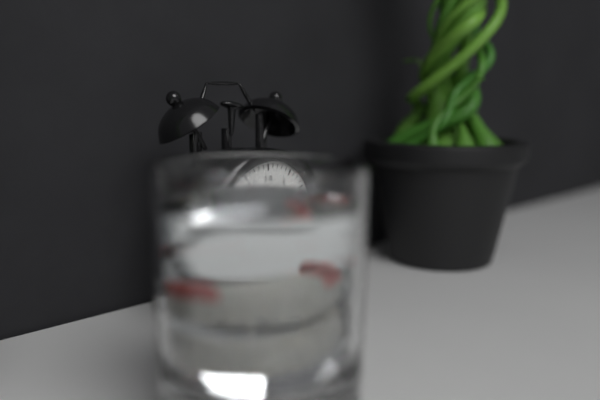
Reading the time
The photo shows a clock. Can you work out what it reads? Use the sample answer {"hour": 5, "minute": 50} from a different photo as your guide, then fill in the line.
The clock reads {"hour": 4, "minute": 21}
